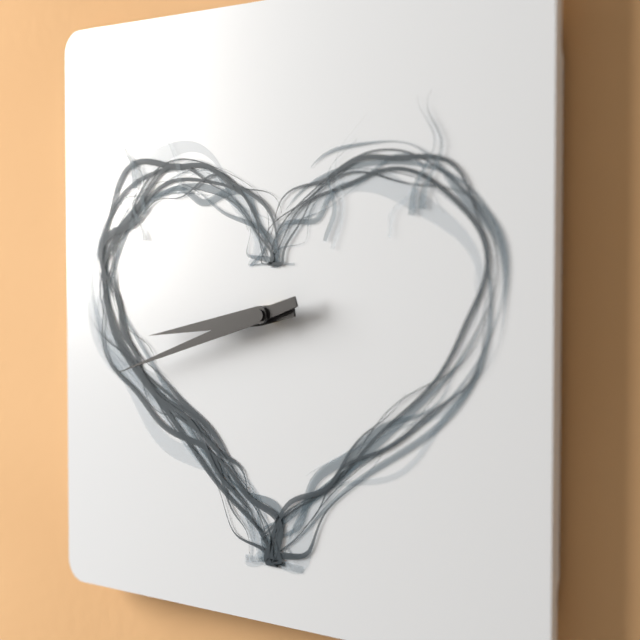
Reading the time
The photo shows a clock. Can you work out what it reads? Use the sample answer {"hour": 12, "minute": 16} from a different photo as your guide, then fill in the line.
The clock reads {"hour": 8, "minute": 42}
